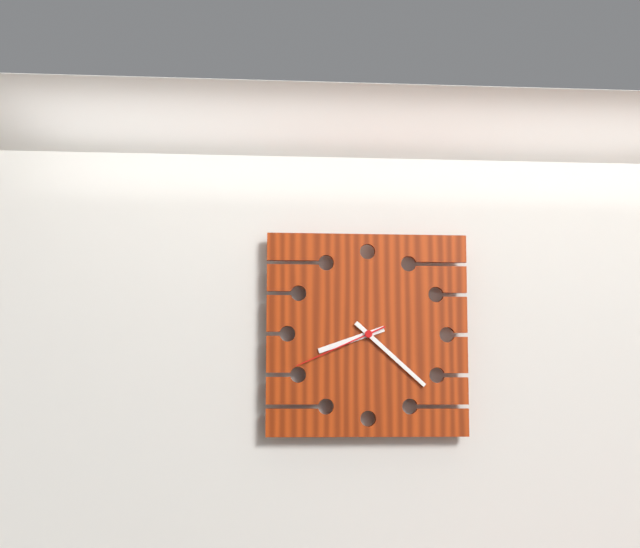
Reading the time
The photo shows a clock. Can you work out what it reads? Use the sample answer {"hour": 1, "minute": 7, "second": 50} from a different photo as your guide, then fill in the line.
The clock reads {"hour": 8, "minute": 22, "second": 41}
